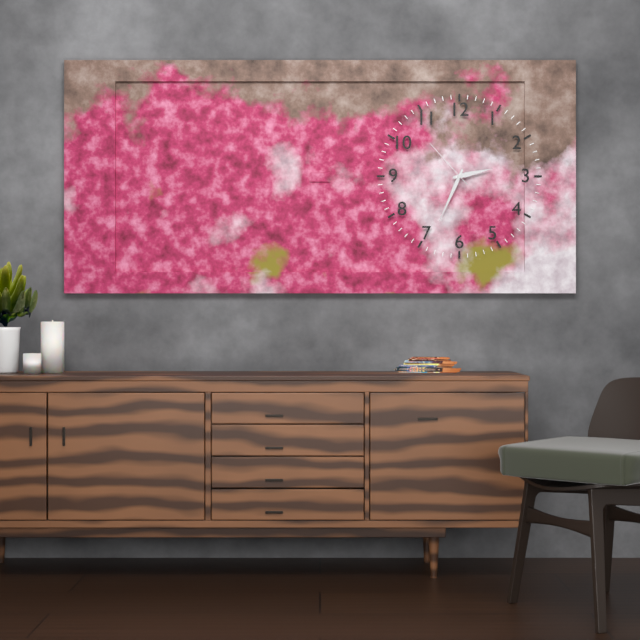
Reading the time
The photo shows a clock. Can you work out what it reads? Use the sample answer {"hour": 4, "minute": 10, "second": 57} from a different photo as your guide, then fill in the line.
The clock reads {"hour": 2, "minute": 34, "second": 53}
